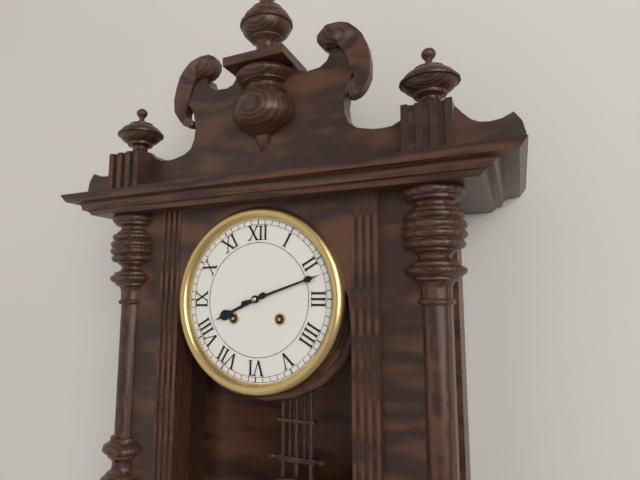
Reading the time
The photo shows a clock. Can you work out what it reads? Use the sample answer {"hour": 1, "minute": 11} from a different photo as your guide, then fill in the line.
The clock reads {"hour": 8, "minute": 12}
